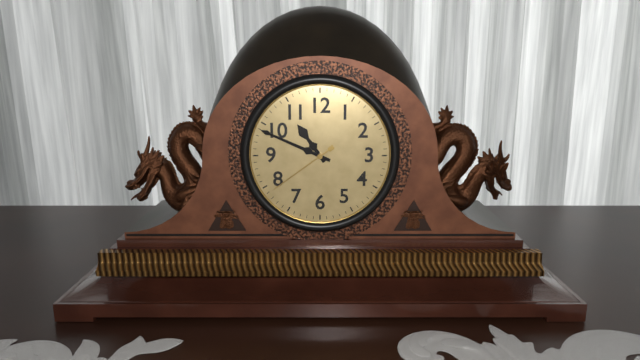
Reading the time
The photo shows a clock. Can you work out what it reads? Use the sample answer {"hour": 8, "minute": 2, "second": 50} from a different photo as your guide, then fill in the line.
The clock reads {"hour": 10, "minute": 49, "second": 39}
